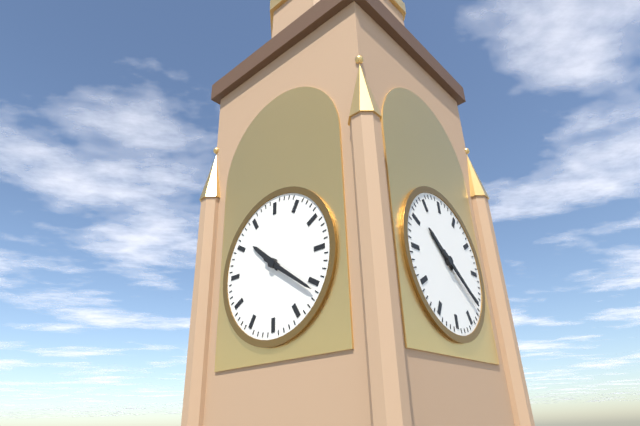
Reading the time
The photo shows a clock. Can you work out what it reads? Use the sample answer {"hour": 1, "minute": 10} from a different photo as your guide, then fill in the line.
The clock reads {"hour": 10, "minute": 21}
